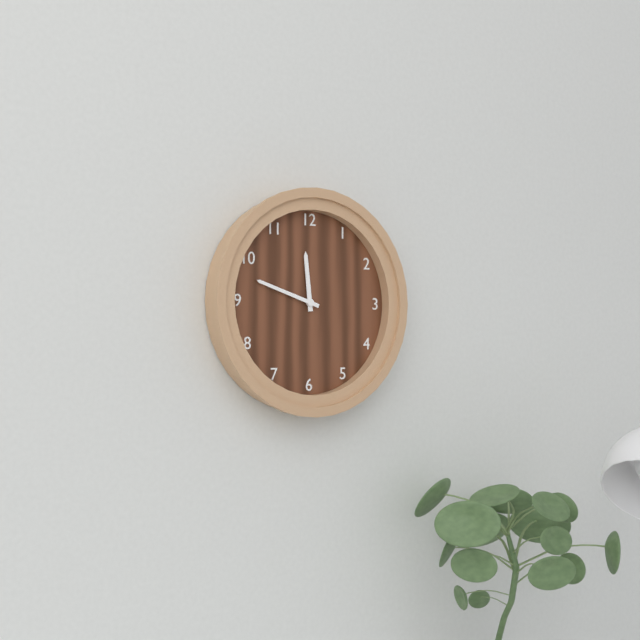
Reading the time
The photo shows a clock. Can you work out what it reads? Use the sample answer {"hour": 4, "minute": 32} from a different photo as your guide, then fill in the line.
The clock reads {"hour": 11, "minute": 48}
